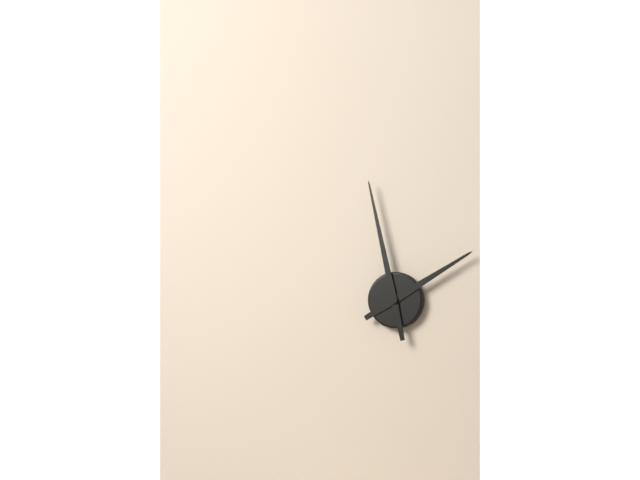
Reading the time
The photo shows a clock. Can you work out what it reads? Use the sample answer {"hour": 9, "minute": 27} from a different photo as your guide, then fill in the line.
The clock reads {"hour": 1, "minute": 58}
